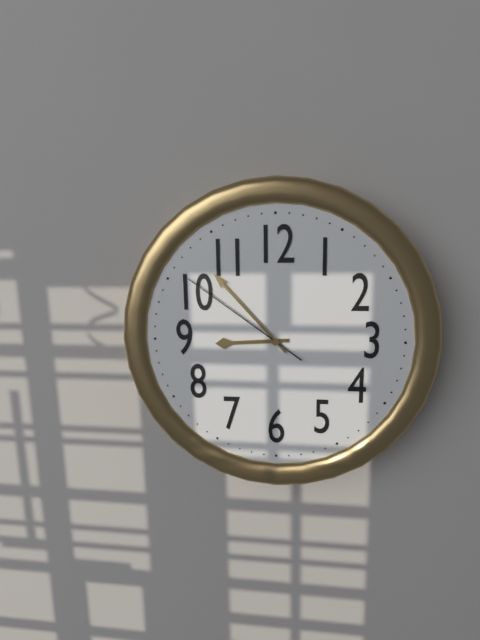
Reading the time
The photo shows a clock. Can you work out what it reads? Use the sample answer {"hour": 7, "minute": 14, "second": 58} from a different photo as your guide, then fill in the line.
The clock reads {"hour": 8, "minute": 53, "second": 51}
